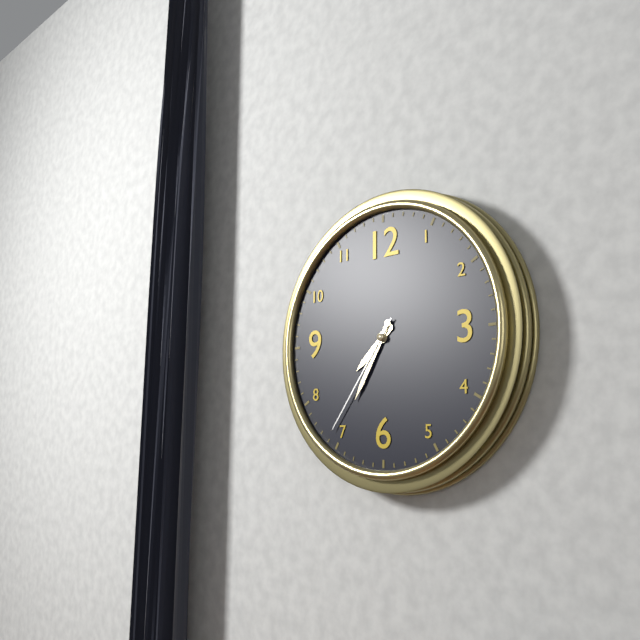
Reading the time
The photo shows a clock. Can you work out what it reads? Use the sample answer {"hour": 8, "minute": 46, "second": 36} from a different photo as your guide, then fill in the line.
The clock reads {"hour": 7, "minute": 35, "second": 36}
